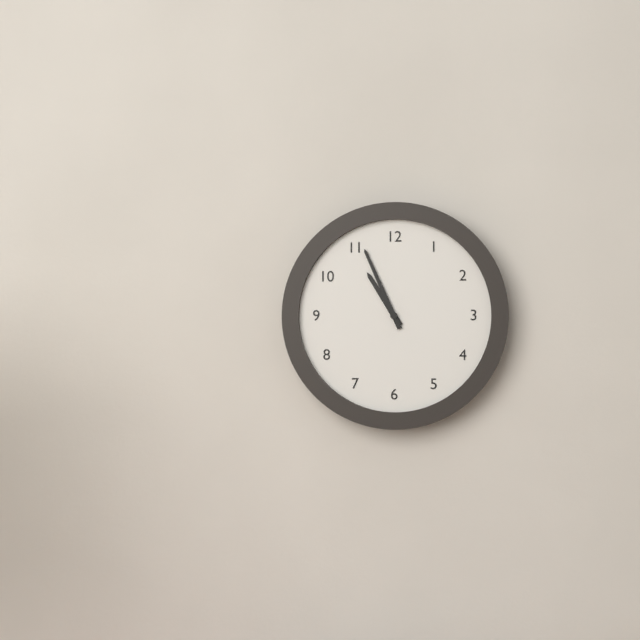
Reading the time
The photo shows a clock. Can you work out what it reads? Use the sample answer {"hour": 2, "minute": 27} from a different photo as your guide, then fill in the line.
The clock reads {"hour": 10, "minute": 56}
